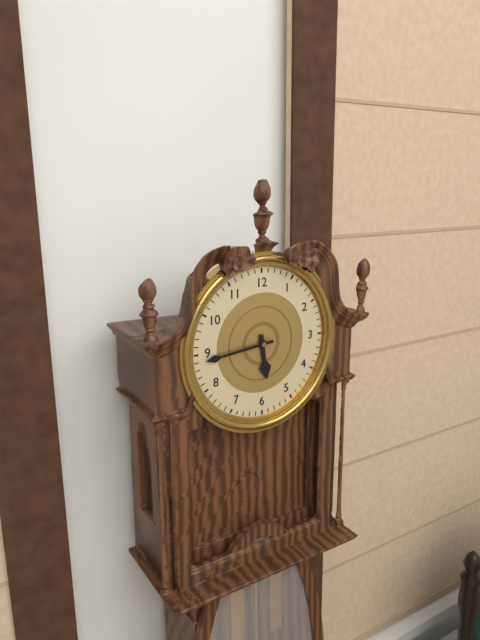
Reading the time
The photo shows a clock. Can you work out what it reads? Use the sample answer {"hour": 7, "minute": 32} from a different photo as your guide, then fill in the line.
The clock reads {"hour": 5, "minute": 44}
